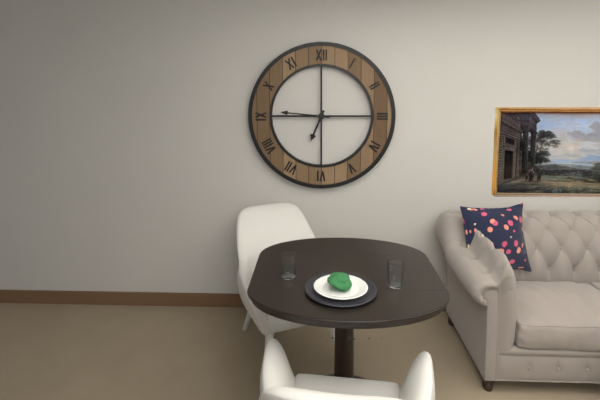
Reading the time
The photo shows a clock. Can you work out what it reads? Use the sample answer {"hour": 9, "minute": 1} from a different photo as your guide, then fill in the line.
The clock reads {"hour": 6, "minute": 46}
